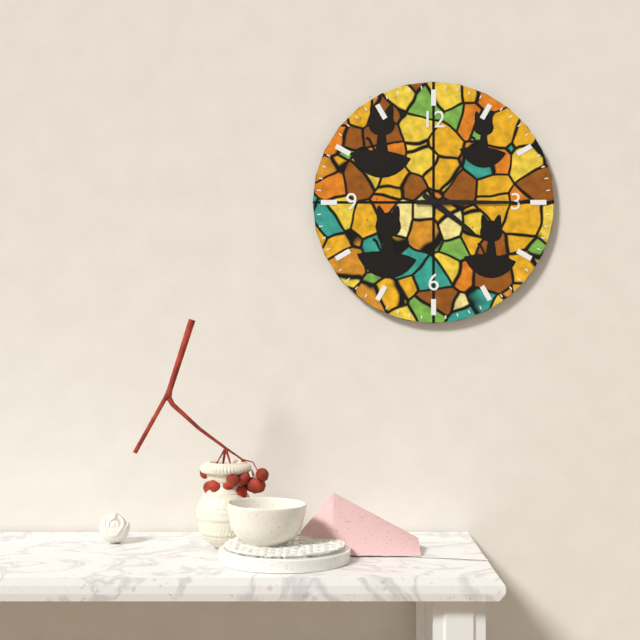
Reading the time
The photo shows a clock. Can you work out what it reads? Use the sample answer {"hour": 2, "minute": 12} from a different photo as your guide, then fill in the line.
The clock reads {"hour": 4, "minute": 15}
